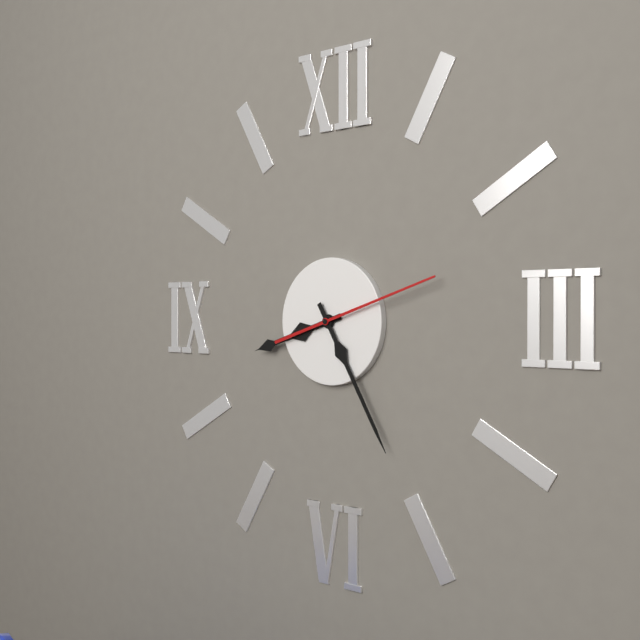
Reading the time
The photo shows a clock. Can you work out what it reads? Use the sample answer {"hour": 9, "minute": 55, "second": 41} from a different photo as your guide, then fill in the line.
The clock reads {"hour": 8, "minute": 25, "second": 12}
